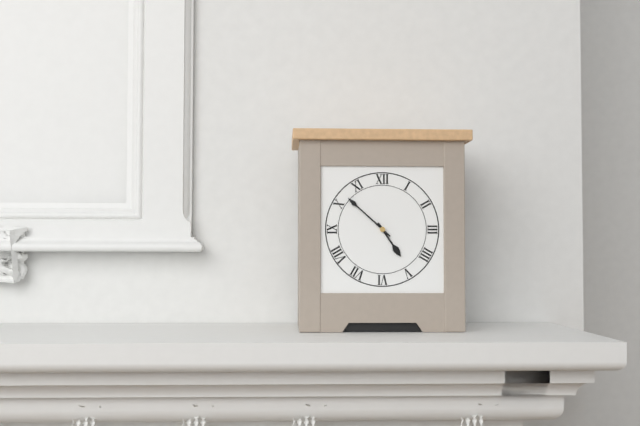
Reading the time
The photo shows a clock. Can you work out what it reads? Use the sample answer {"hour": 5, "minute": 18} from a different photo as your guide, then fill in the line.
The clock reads {"hour": 4, "minute": 52}
